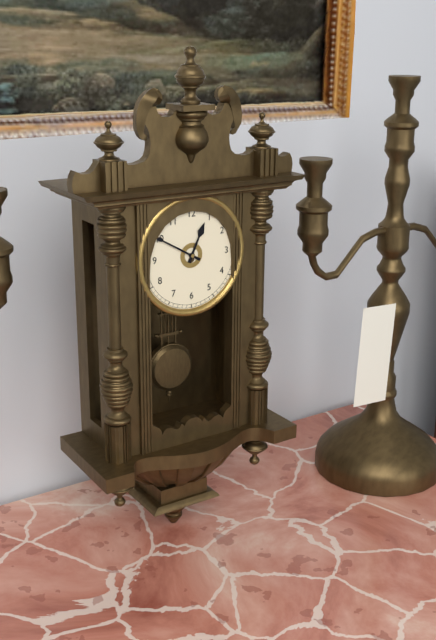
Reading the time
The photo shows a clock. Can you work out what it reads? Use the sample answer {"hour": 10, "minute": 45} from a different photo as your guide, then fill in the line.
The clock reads {"hour": 12, "minute": 50}
